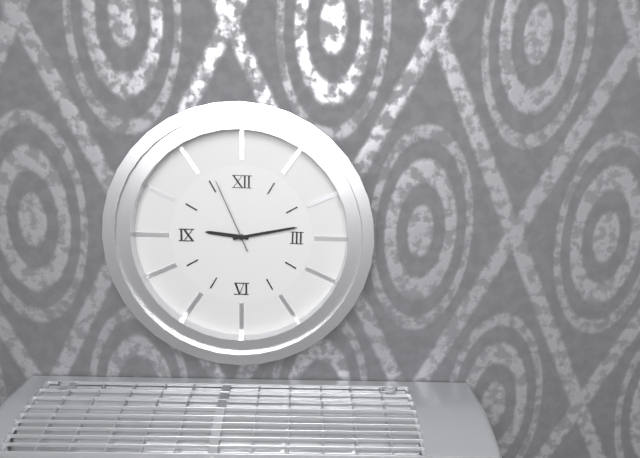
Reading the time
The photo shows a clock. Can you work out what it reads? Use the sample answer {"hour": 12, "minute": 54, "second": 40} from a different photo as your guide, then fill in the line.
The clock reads {"hour": 9, "minute": 13, "second": 56}
